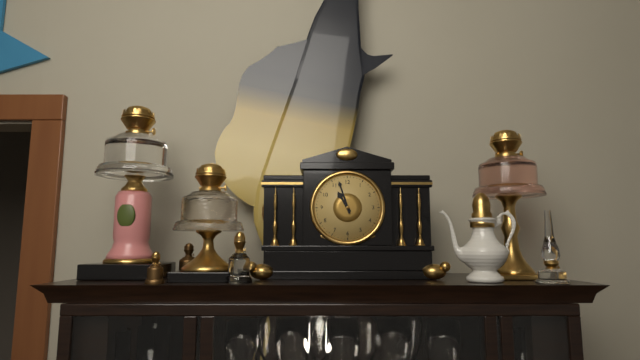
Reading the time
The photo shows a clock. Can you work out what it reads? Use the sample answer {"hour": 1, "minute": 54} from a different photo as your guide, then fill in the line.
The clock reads {"hour": 10, "minute": 57}
